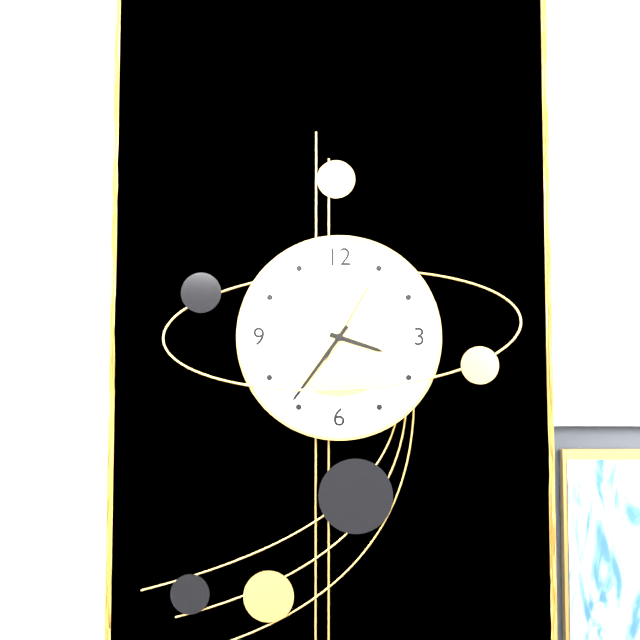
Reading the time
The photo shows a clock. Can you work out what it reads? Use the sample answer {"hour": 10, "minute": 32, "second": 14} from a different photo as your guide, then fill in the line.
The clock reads {"hour": 3, "minute": 36, "second": 5}
